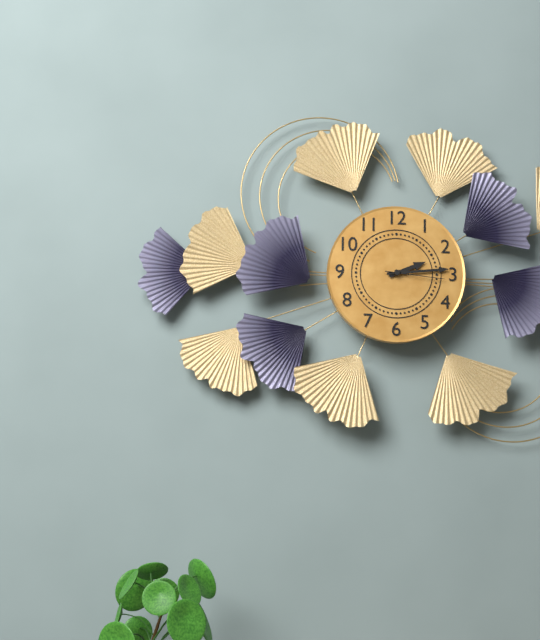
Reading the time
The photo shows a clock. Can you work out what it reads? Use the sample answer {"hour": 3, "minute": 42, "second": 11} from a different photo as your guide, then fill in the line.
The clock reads {"hour": 2, "minute": 14, "second": 16}
